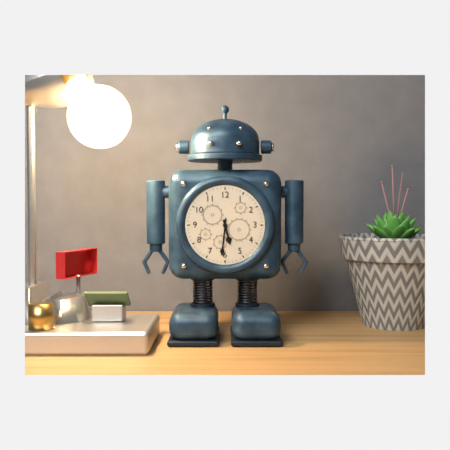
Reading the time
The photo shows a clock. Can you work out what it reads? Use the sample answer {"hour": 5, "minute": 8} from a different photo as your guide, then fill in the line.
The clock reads {"hour": 5, "minute": 31}
